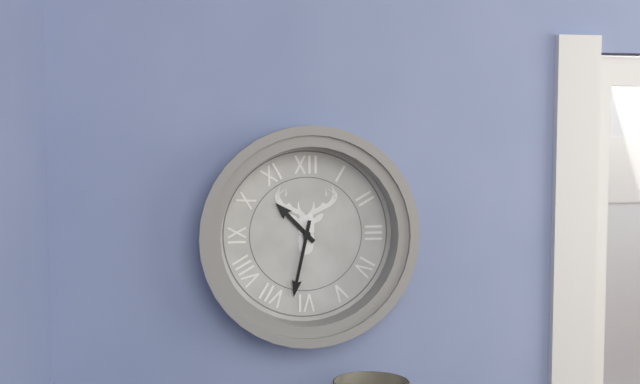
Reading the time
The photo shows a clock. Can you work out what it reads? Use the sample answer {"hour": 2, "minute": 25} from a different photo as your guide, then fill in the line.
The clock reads {"hour": 10, "minute": 32}
